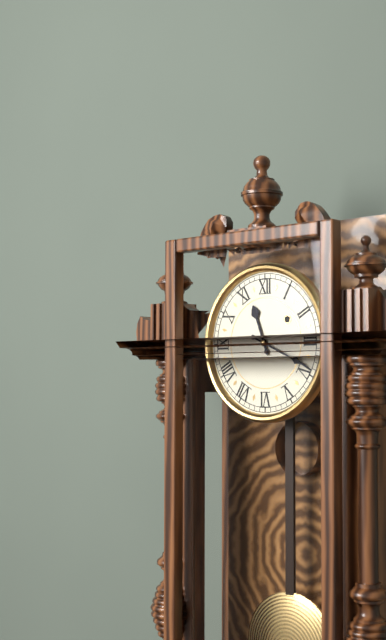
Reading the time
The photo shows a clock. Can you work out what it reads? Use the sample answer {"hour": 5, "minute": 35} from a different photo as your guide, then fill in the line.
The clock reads {"hour": 11, "minute": 19}
